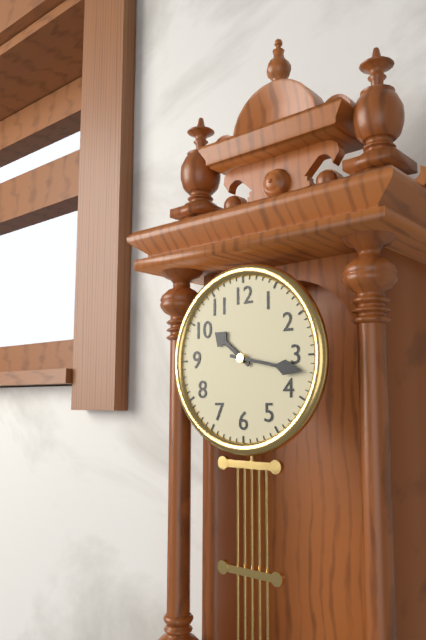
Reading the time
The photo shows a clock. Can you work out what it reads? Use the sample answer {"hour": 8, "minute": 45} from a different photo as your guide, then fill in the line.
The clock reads {"hour": 10, "minute": 17}
